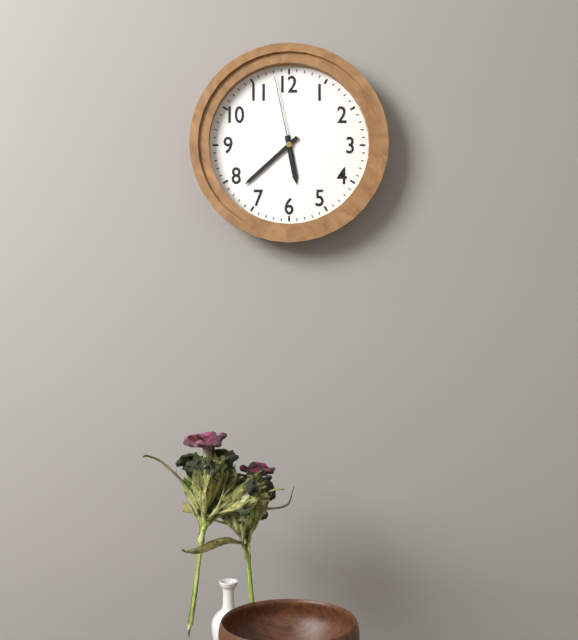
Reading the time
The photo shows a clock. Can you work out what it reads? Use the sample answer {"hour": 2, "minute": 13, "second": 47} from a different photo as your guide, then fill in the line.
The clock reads {"hour": 5, "minute": 38, "second": 58}
